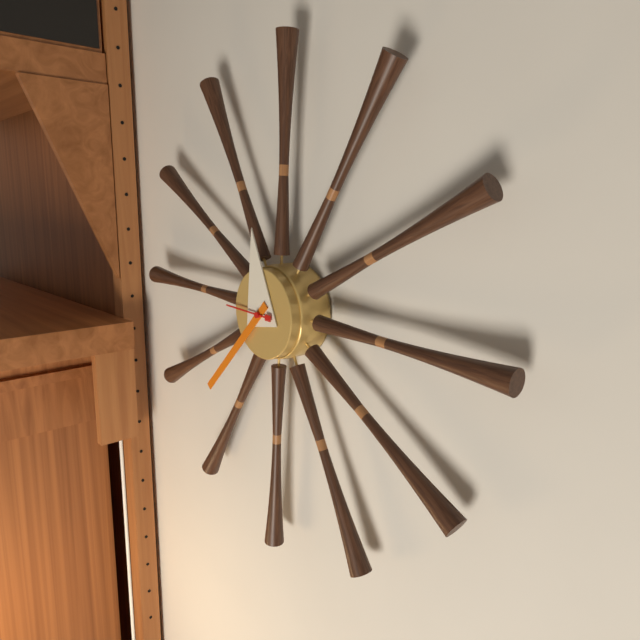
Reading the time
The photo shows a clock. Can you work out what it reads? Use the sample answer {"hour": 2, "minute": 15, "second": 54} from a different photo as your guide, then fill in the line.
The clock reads {"hour": 11, "minute": 37, "second": 45}
